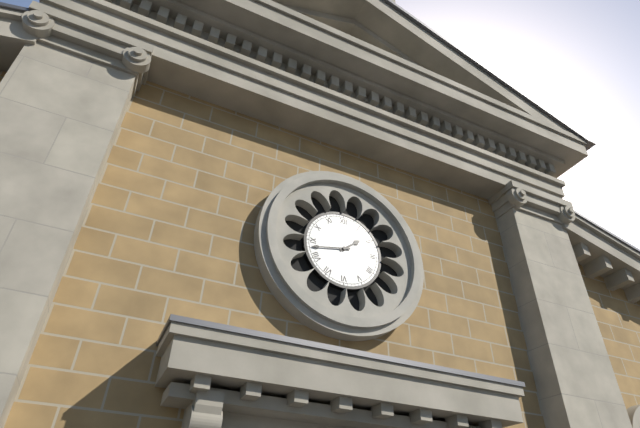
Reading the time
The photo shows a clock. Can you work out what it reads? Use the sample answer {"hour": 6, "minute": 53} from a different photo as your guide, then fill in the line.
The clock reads {"hour": 1, "minute": 43}
